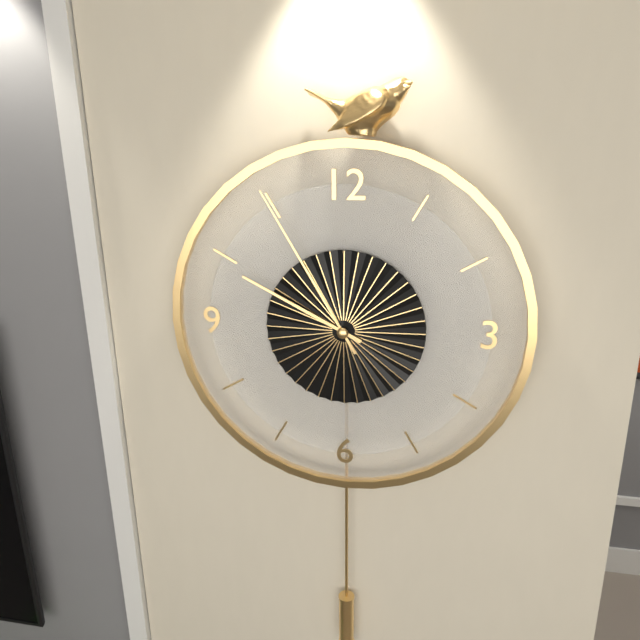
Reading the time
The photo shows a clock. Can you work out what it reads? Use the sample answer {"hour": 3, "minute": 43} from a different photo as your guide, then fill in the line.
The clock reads {"hour": 9, "minute": 55}
